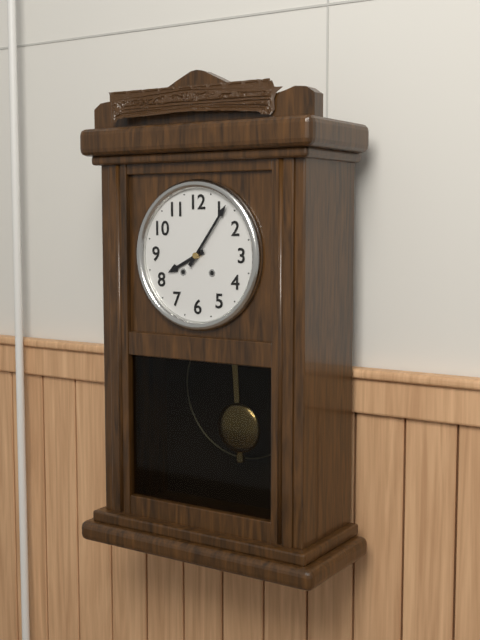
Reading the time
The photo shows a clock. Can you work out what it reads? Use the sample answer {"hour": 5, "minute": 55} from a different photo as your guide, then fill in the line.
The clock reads {"hour": 8, "minute": 6}
